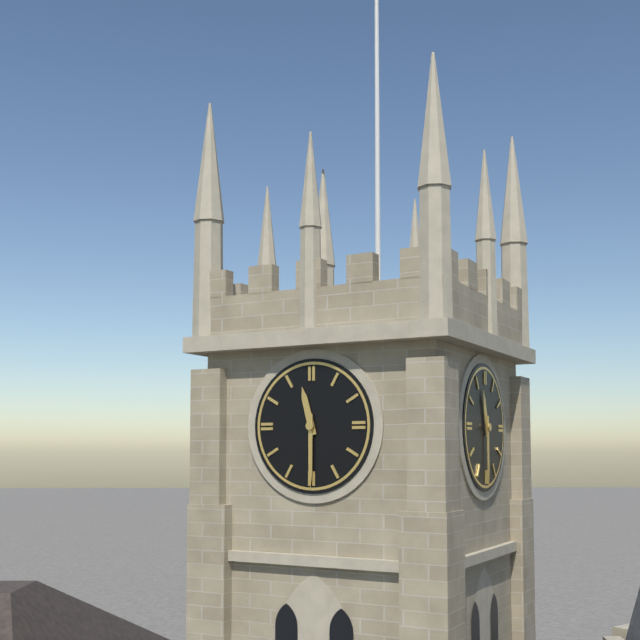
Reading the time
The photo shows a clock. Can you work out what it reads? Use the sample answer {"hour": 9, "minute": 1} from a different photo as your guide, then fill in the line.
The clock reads {"hour": 11, "minute": 30}
